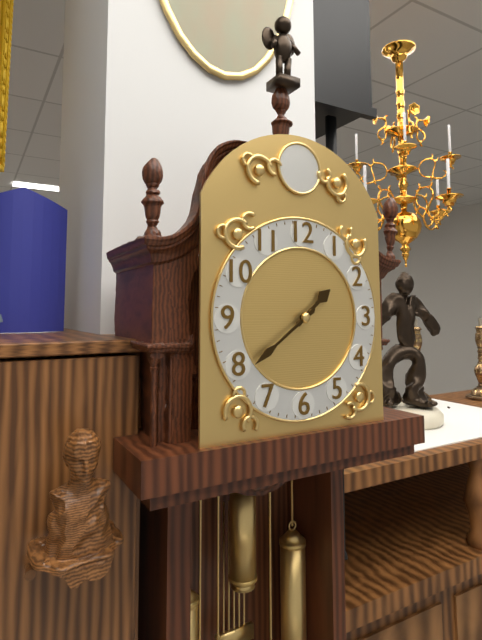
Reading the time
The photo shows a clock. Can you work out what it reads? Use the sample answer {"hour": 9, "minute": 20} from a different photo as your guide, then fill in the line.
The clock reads {"hour": 1, "minute": 39}
